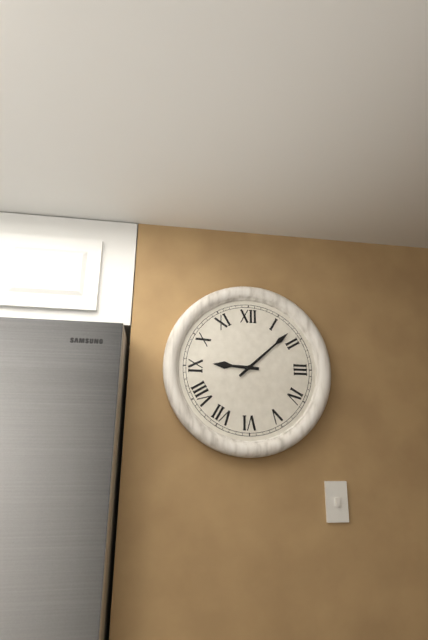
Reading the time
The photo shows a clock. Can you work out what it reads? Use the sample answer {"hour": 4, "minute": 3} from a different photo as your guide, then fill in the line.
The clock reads {"hour": 9, "minute": 8}
